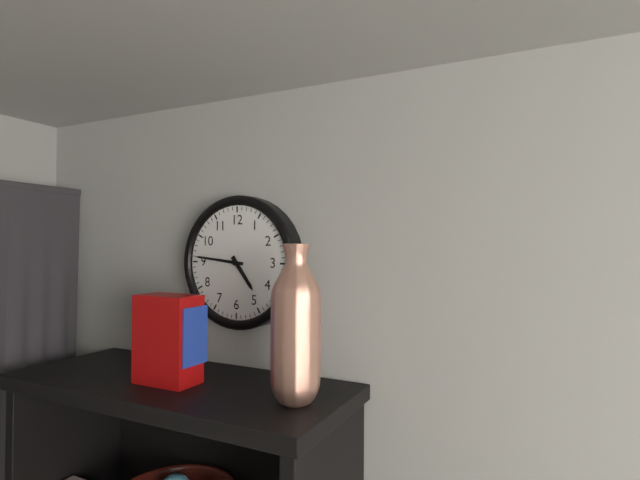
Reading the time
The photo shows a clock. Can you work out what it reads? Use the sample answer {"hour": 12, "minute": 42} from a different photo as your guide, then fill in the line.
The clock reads {"hour": 4, "minute": 46}
